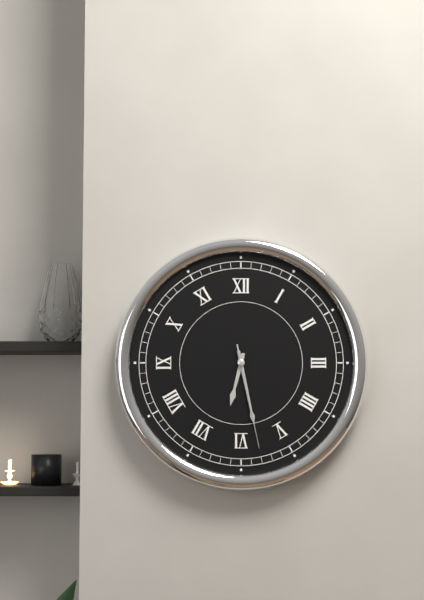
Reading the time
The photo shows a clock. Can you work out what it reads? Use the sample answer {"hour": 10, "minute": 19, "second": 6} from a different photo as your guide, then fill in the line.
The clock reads {"hour": 6, "minute": 28, "second": 28}
